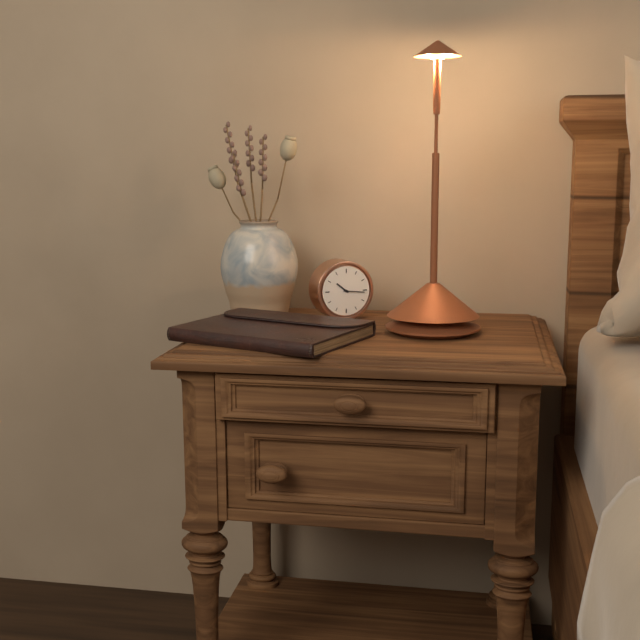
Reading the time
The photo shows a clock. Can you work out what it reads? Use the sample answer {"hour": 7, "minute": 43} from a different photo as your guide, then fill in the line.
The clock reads {"hour": 10, "minute": 16}
